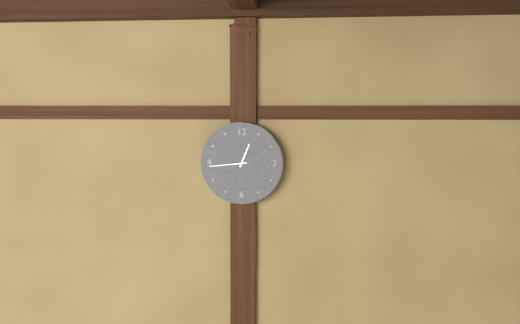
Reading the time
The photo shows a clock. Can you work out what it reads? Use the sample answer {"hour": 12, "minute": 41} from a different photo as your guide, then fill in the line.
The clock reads {"hour": 12, "minute": 44}
